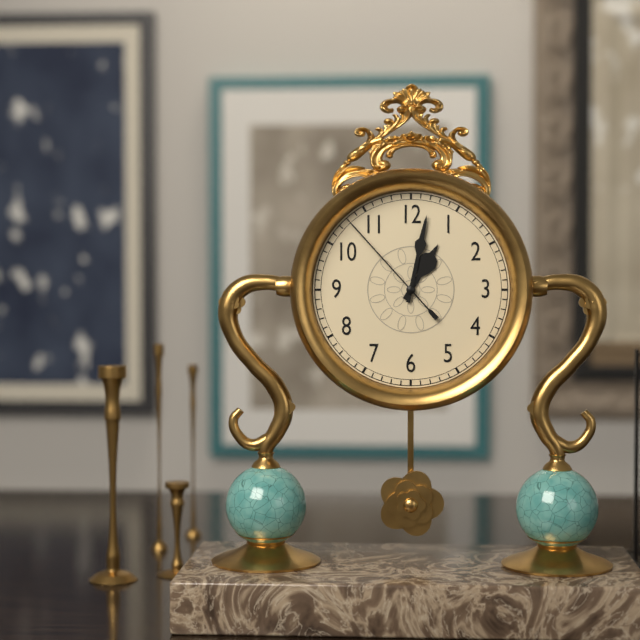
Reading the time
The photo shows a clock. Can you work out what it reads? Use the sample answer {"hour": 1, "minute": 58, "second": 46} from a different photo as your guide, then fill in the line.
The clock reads {"hour": 1, "minute": 2, "second": 53}
